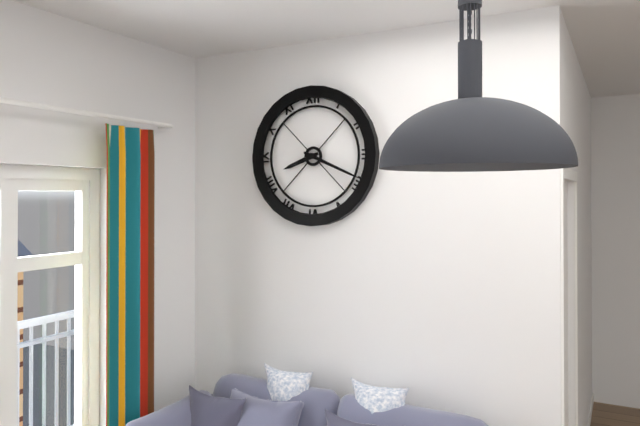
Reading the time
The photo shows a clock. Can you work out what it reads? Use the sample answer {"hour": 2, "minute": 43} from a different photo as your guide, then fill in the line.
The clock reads {"hour": 8, "minute": 19}
